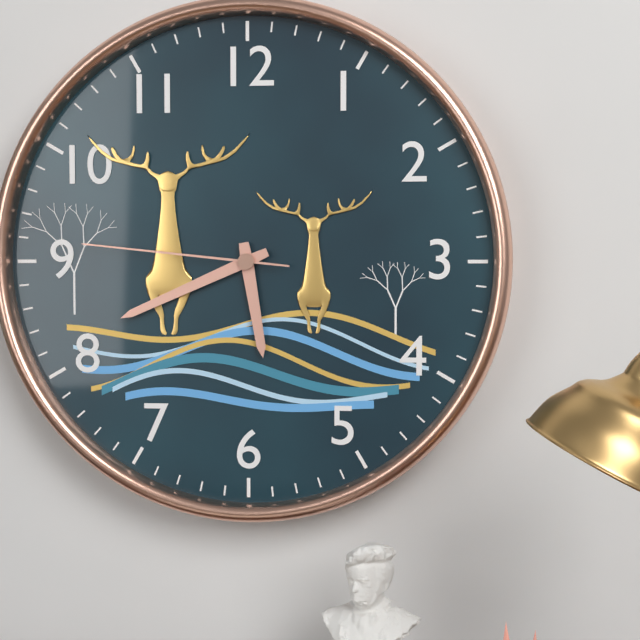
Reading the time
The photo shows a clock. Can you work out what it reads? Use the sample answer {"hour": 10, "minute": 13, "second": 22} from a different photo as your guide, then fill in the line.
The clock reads {"hour": 5, "minute": 41, "second": 46}
